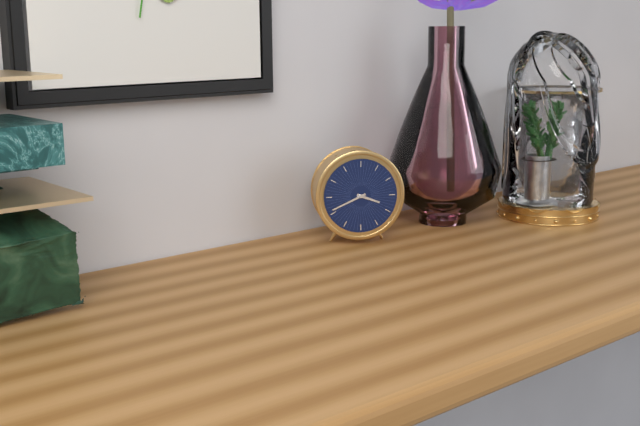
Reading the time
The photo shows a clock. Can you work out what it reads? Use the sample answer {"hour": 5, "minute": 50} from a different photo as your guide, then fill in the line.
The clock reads {"hour": 3, "minute": 41}
